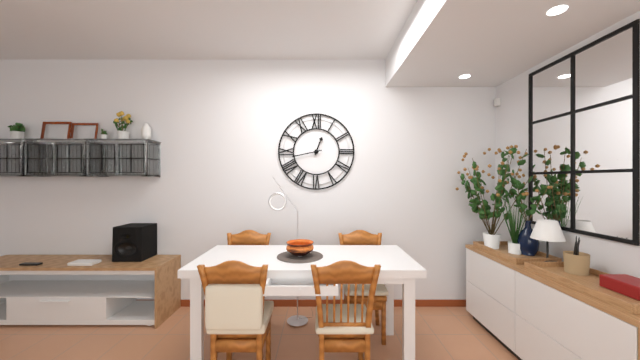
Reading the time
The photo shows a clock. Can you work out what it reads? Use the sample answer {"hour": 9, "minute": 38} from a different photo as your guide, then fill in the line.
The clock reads {"hour": 12, "minute": 43}
